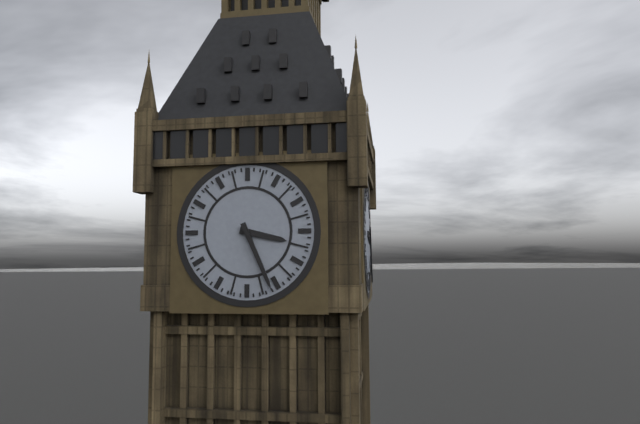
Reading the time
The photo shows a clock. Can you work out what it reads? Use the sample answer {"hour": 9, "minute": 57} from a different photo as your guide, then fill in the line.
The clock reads {"hour": 3, "minute": 26}
